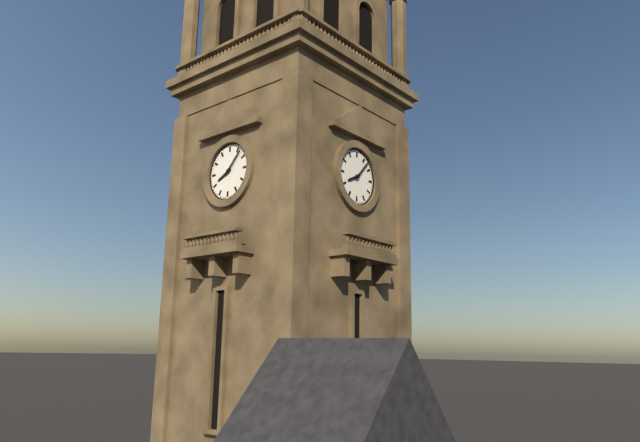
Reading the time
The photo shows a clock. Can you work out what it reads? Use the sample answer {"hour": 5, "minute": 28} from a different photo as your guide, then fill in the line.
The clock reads {"hour": 8, "minute": 7}
